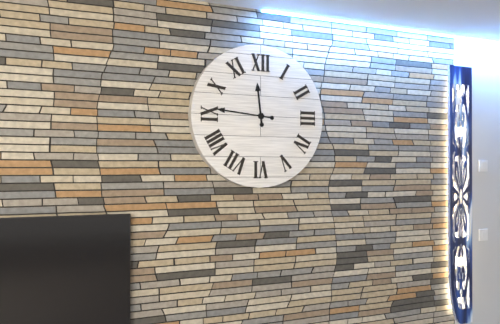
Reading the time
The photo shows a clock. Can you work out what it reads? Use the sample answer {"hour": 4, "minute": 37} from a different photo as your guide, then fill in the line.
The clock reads {"hour": 11, "minute": 46}
